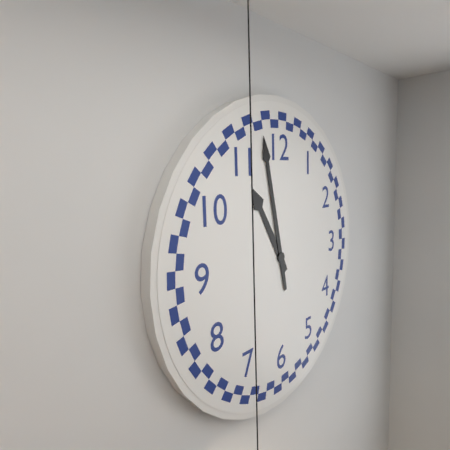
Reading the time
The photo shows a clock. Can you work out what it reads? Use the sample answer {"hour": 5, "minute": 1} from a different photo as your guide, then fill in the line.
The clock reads {"hour": 10, "minute": 58}
